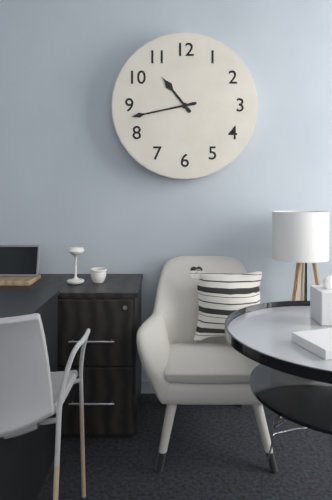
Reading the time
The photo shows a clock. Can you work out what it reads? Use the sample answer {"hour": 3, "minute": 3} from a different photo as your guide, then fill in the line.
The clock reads {"hour": 10, "minute": 43}
